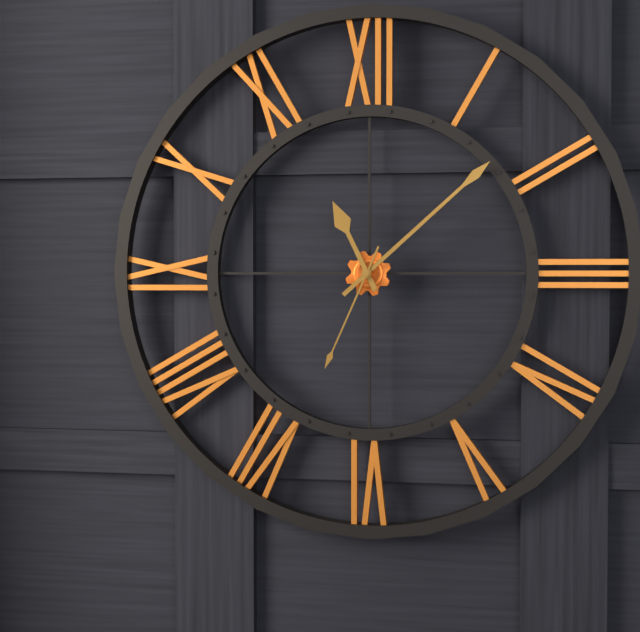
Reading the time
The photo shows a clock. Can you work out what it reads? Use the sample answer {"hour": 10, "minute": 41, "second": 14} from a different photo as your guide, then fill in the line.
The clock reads {"hour": 11, "minute": 8, "second": 34}
